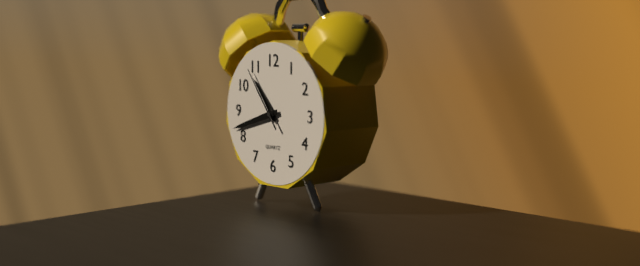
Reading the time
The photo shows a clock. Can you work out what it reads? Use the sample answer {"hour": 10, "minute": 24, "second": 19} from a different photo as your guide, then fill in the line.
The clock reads {"hour": 10, "minute": 42, "second": 54}
